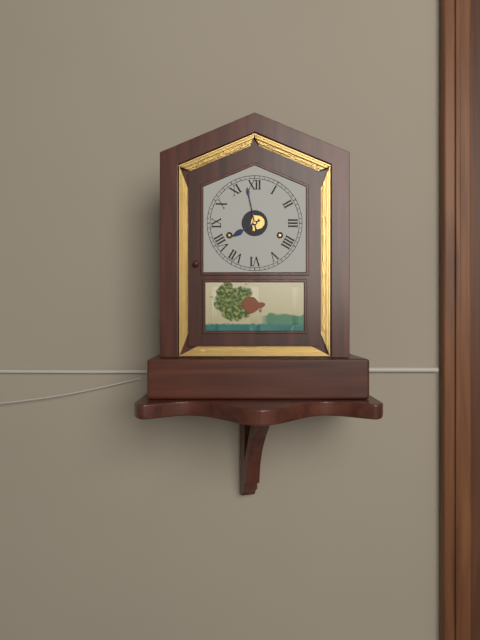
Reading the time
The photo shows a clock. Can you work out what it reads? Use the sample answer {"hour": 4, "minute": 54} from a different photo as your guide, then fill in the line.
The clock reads {"hour": 7, "minute": 58}
